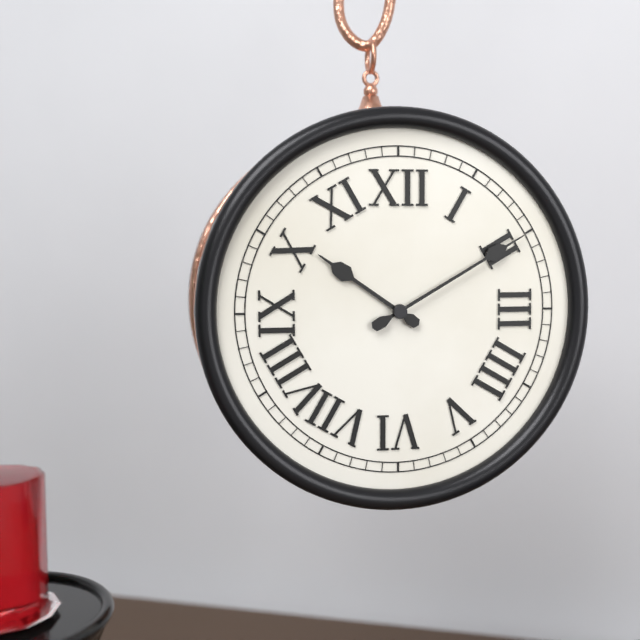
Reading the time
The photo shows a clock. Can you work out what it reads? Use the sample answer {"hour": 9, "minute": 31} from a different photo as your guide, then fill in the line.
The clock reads {"hour": 10, "minute": 10}
